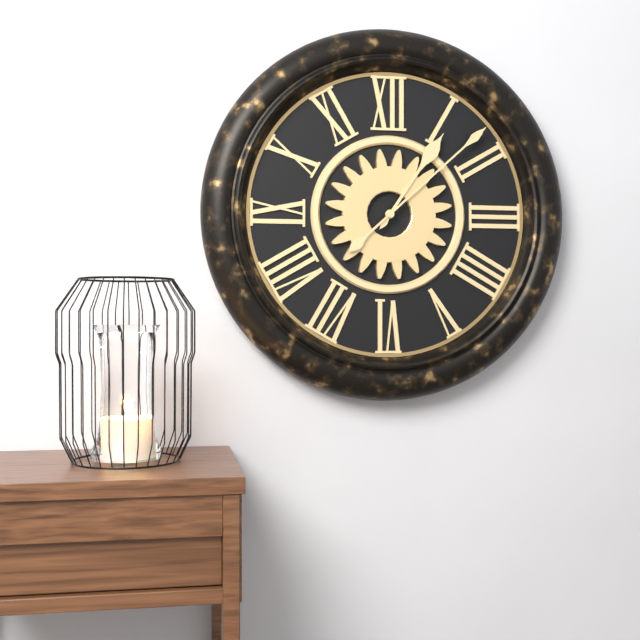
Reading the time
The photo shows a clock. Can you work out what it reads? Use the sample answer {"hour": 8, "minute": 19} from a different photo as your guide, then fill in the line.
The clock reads {"hour": 1, "minute": 8}
